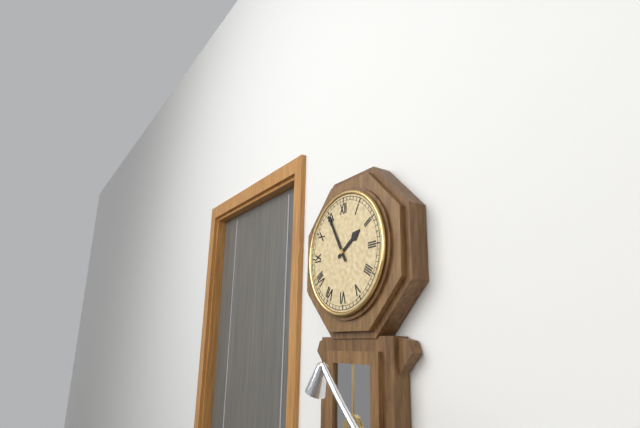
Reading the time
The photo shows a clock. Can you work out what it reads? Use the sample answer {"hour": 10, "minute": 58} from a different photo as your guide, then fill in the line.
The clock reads {"hour": 1, "minute": 55}
